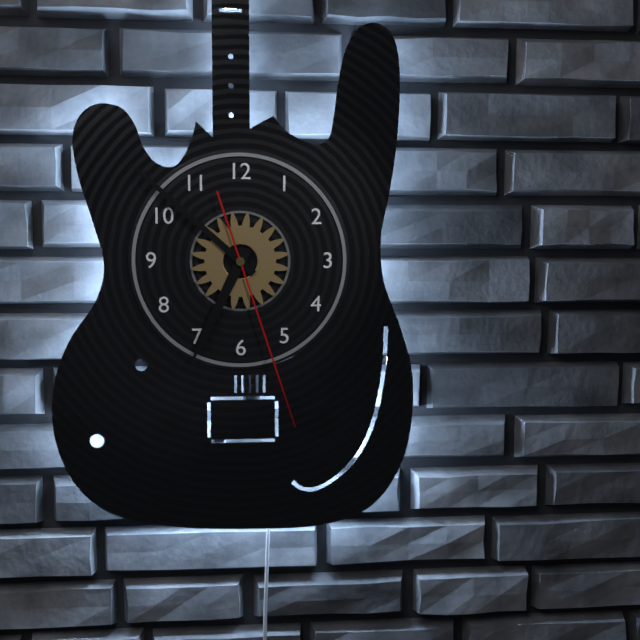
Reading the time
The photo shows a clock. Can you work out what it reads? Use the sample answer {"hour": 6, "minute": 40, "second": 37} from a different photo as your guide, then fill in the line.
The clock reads {"hour": 6, "minute": 52, "second": 27}
